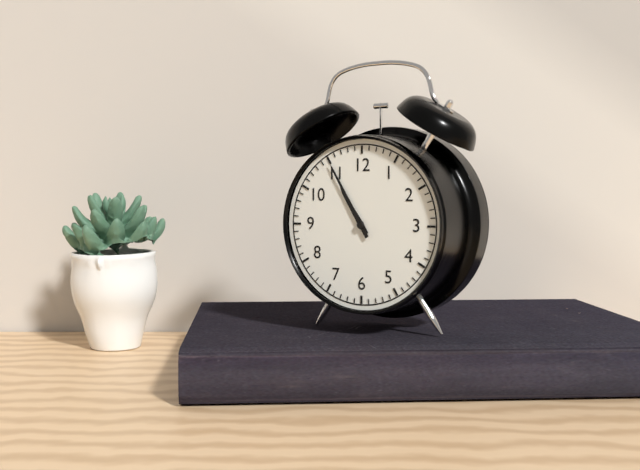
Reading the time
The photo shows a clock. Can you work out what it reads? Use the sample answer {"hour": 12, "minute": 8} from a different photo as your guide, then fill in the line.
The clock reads {"hour": 10, "minute": 55}
